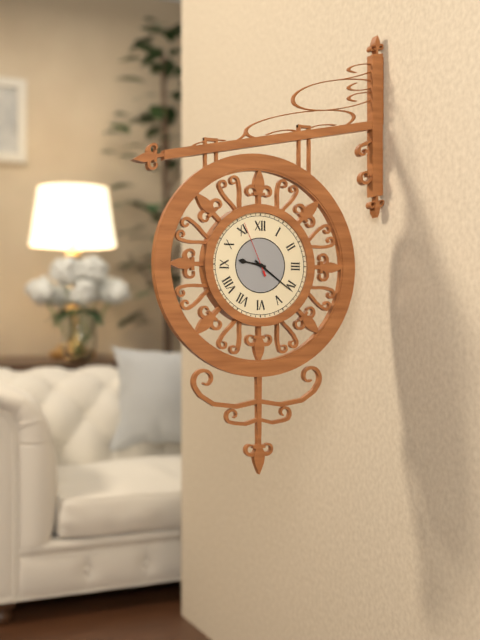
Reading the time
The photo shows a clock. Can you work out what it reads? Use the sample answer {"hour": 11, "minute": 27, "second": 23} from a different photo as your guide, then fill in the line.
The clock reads {"hour": 9, "minute": 21, "second": 56}
